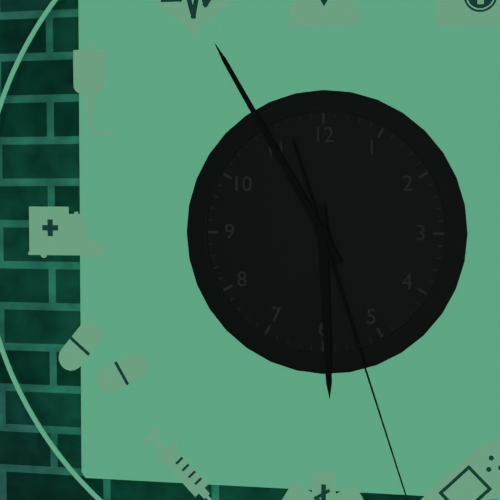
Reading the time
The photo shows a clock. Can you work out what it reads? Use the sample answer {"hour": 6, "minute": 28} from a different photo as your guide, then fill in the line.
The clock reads {"hour": 5, "minute": 55}
